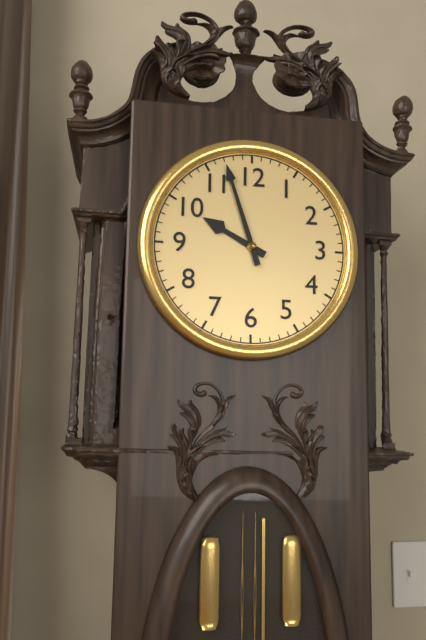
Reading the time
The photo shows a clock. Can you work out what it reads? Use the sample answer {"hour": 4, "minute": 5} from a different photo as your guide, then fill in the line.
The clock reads {"hour": 9, "minute": 57}
